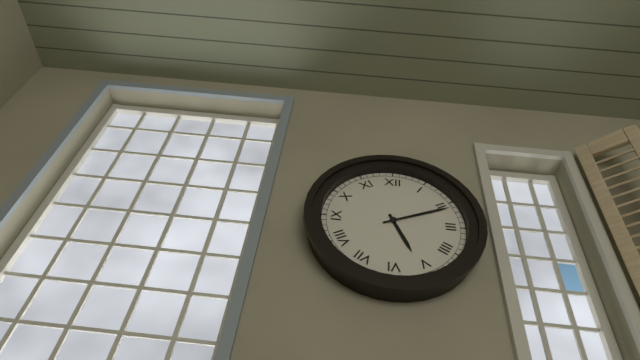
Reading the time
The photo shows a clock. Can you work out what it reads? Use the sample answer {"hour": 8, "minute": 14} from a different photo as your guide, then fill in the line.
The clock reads {"hour": 5, "minute": 11}
